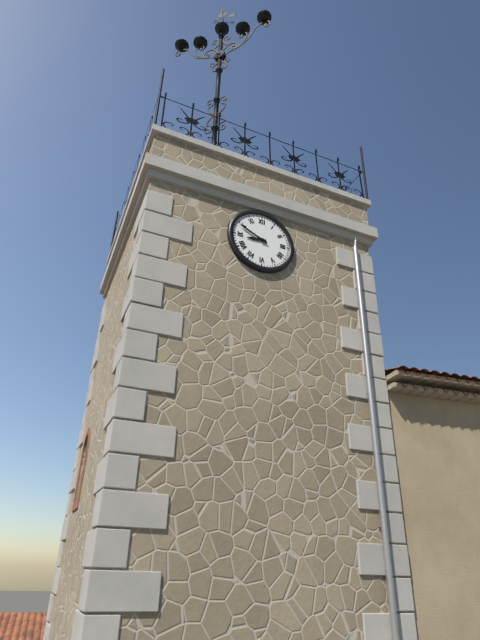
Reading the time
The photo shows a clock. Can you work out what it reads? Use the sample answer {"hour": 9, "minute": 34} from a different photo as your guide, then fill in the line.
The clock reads {"hour": 8, "minute": 49}
